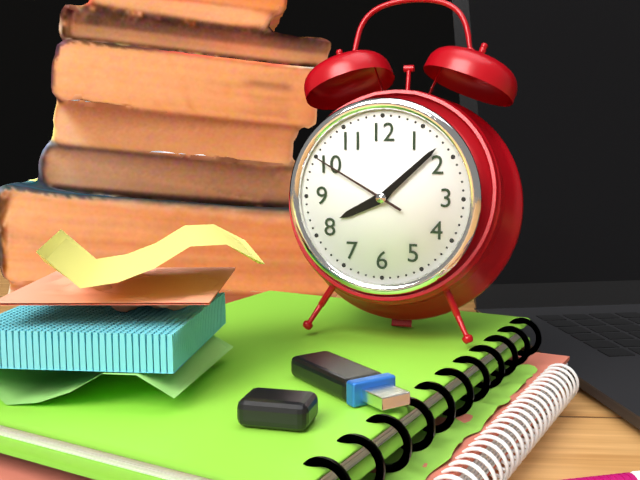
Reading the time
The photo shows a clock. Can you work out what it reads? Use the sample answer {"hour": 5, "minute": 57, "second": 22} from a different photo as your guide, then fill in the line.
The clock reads {"hour": 8, "minute": 8, "second": 50}
